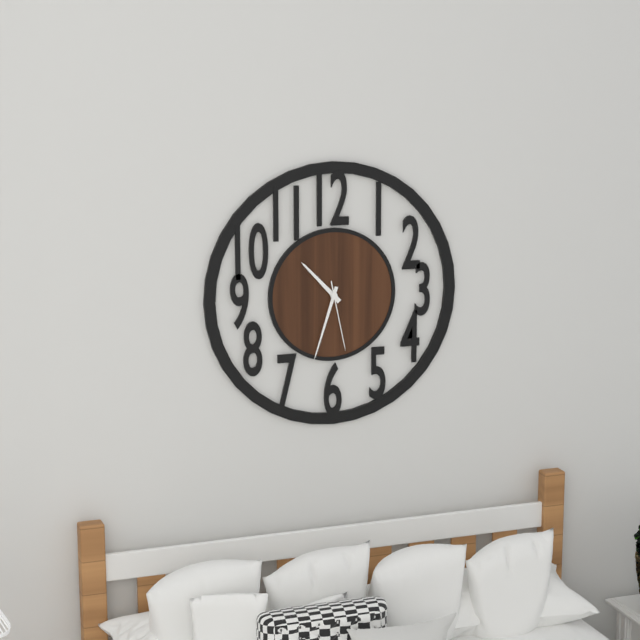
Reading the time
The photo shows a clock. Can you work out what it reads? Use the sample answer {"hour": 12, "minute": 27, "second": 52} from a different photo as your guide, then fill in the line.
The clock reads {"hour": 10, "minute": 33, "second": 28}
